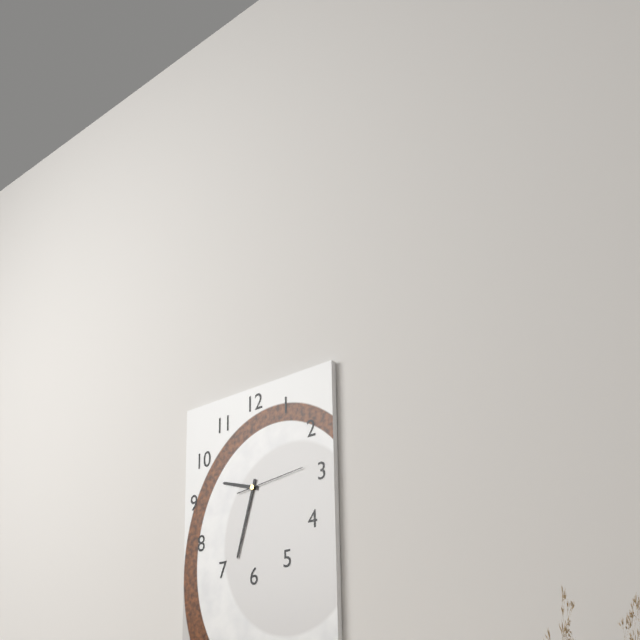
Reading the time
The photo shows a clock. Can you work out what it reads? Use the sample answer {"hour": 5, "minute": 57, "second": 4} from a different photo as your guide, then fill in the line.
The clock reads {"hour": 9, "minute": 33, "second": 14}
